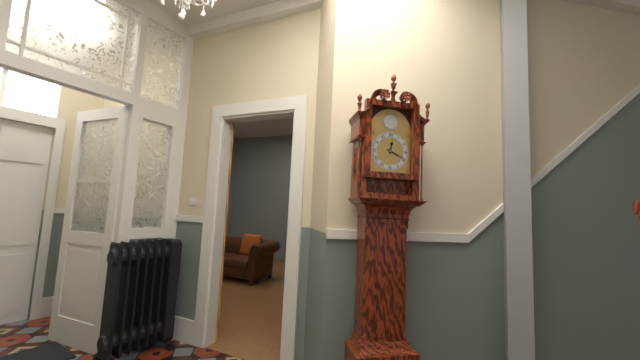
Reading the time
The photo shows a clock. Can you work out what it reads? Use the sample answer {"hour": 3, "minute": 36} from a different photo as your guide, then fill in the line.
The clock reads {"hour": 12, "minute": 19}
